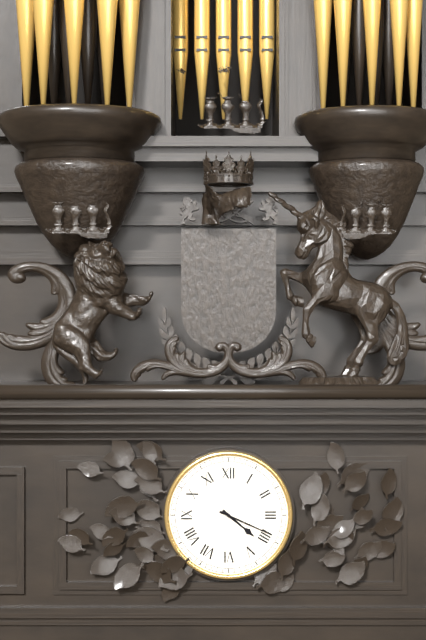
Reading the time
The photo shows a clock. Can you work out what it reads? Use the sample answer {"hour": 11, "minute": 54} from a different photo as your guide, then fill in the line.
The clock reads {"hour": 4, "minute": 19}
